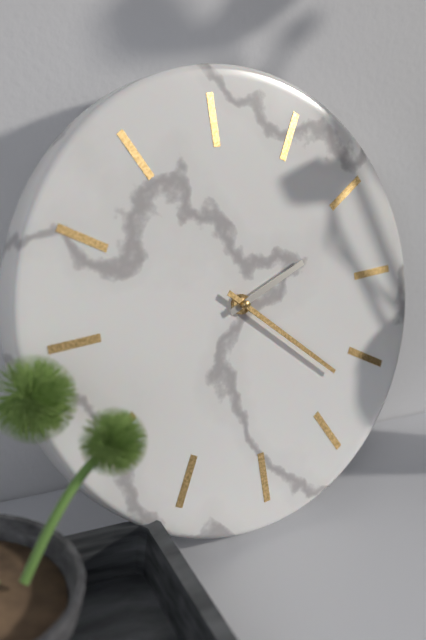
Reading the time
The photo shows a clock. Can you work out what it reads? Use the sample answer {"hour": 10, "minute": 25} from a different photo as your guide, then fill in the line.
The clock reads {"hour": 2, "minute": 22}
